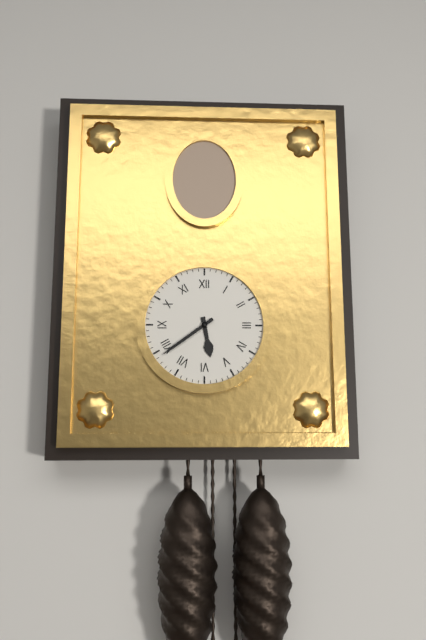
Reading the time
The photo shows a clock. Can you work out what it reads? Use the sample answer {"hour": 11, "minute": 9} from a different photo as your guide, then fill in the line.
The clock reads {"hour": 5, "minute": 39}
